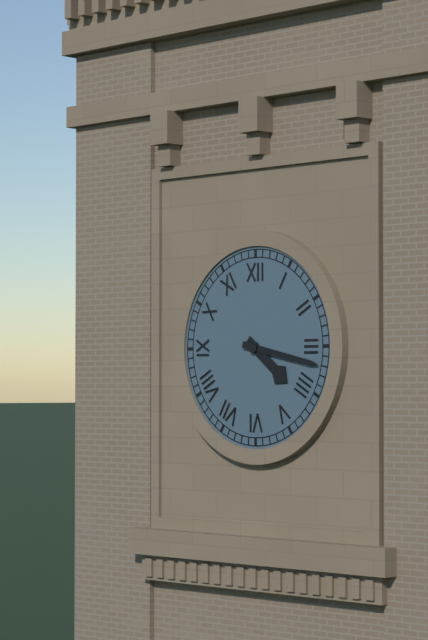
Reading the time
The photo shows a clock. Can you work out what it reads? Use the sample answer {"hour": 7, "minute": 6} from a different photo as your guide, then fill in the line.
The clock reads {"hour": 4, "minute": 17}
